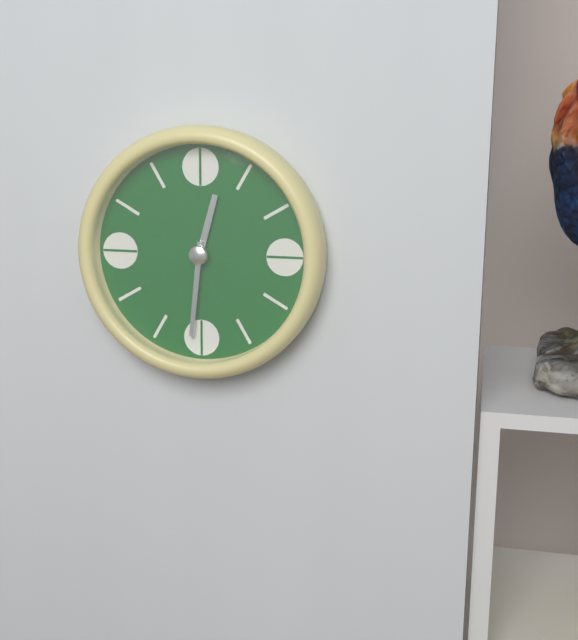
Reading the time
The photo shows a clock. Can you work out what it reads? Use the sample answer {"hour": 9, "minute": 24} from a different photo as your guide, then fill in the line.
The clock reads {"hour": 12, "minute": 31}
